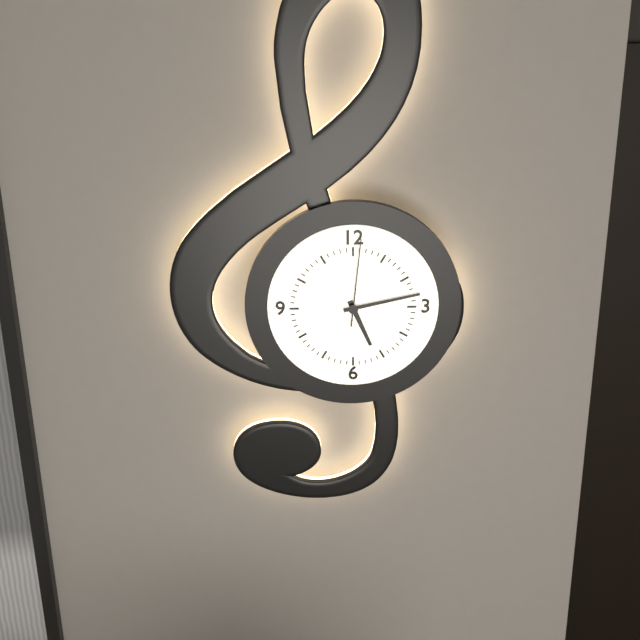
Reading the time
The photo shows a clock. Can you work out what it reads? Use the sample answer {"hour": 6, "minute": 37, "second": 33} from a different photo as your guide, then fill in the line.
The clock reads {"hour": 5, "minute": 13, "second": 1}
